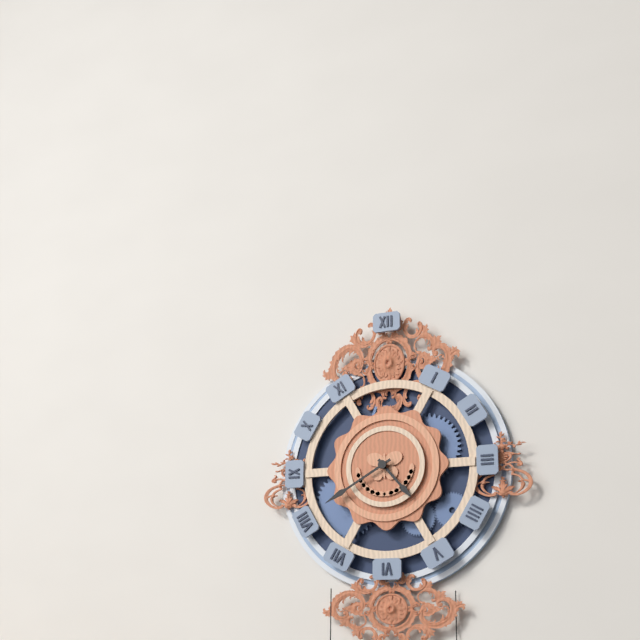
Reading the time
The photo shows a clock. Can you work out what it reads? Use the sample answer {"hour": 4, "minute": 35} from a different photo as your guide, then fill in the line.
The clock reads {"hour": 4, "minute": 40}
